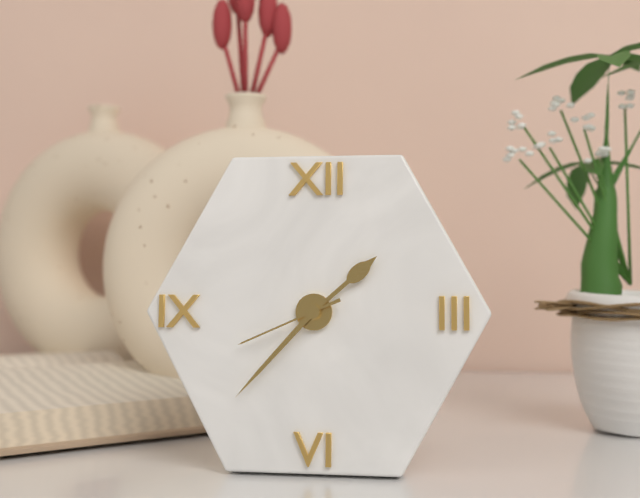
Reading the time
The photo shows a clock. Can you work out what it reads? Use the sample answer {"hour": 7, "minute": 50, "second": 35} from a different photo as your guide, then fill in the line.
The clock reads {"hour": 1, "minute": 37, "second": 41}
